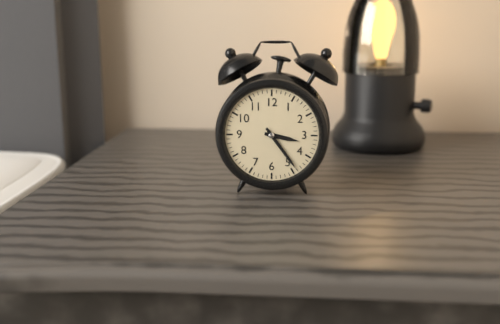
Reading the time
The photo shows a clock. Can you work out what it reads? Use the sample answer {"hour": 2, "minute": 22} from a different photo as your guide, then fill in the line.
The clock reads {"hour": 3, "minute": 24}
